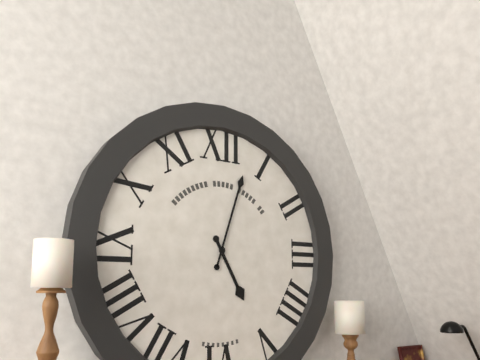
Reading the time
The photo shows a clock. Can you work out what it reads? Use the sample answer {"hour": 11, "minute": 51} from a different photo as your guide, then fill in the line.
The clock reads {"hour": 5, "minute": 3}
